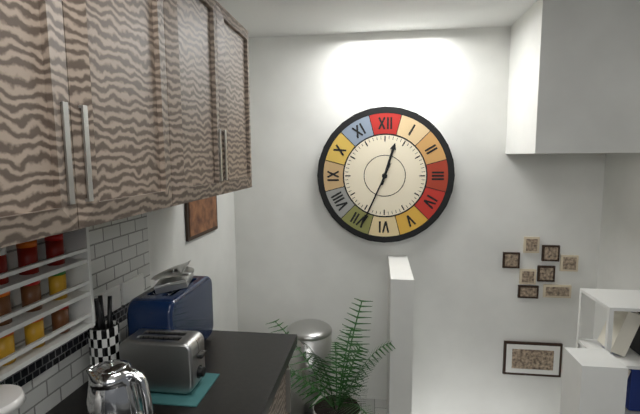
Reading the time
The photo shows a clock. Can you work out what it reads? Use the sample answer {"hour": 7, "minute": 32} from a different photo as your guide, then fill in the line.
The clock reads {"hour": 12, "minute": 34}
